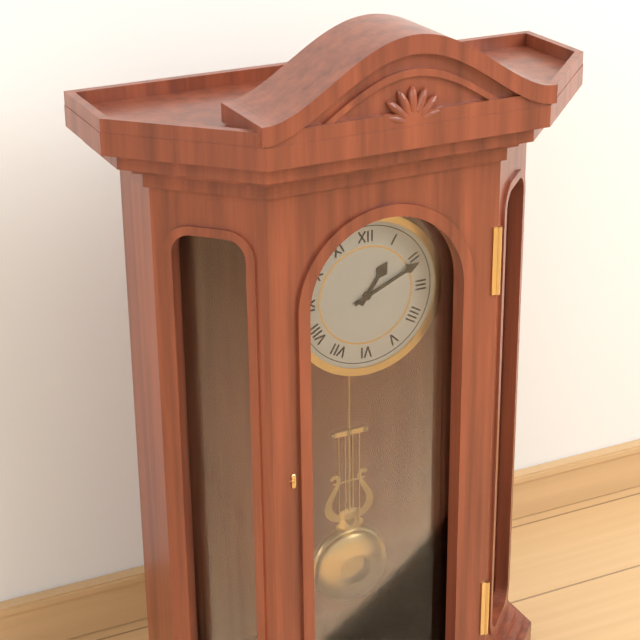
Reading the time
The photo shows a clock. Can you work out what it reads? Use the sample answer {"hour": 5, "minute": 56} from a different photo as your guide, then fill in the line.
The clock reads {"hour": 1, "minute": 11}
